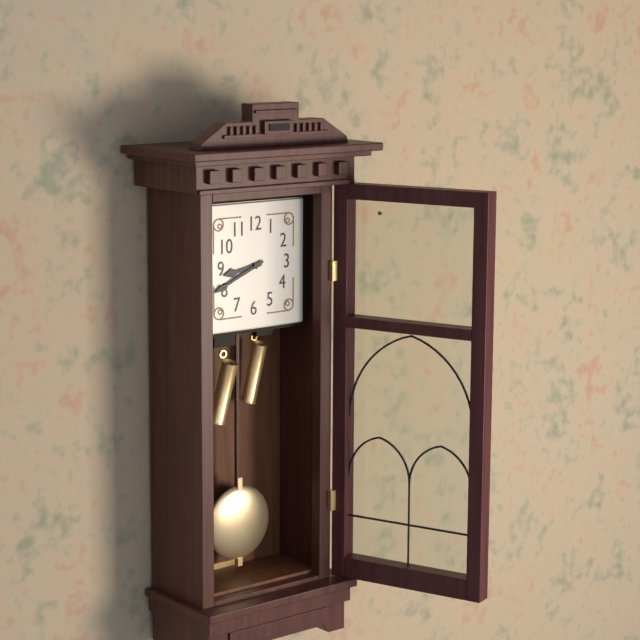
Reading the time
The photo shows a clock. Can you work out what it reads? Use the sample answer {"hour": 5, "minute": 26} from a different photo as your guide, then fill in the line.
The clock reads {"hour": 8, "minute": 41}
